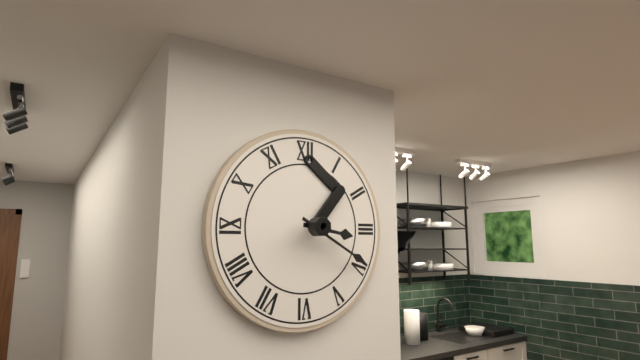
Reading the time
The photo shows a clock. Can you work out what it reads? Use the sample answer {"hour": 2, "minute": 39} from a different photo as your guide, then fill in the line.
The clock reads {"hour": 3, "minute": 20}
